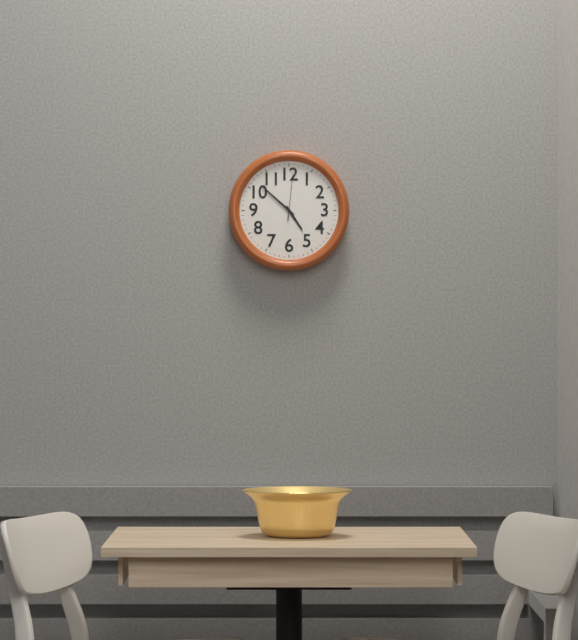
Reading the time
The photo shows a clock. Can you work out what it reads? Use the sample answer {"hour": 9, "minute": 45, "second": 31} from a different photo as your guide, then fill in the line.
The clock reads {"hour": 4, "minute": 52, "second": 1}
